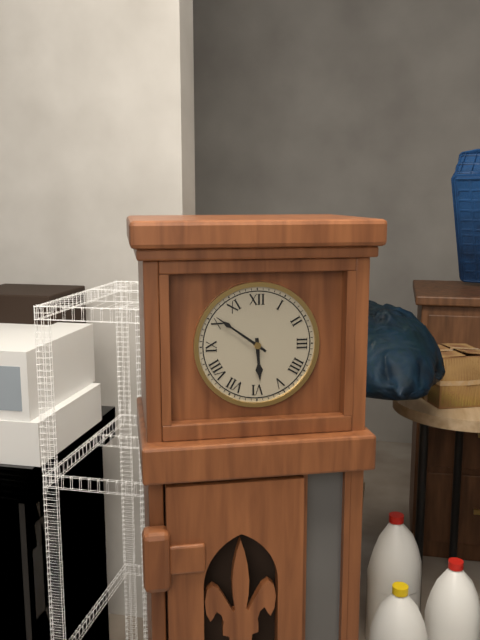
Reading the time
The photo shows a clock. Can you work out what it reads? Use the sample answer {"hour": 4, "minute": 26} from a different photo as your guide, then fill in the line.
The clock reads {"hour": 5, "minute": 51}
